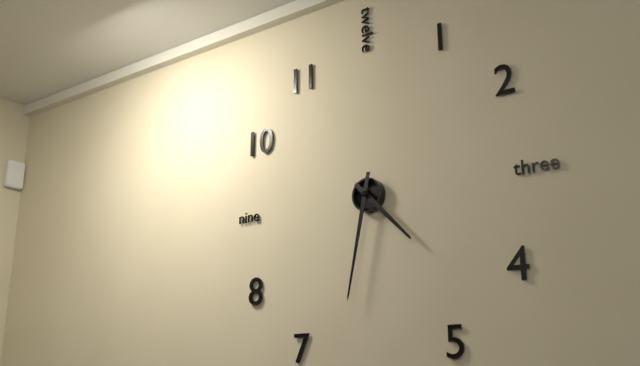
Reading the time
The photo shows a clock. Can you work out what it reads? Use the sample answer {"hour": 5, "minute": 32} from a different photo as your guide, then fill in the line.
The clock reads {"hour": 4, "minute": 32}
